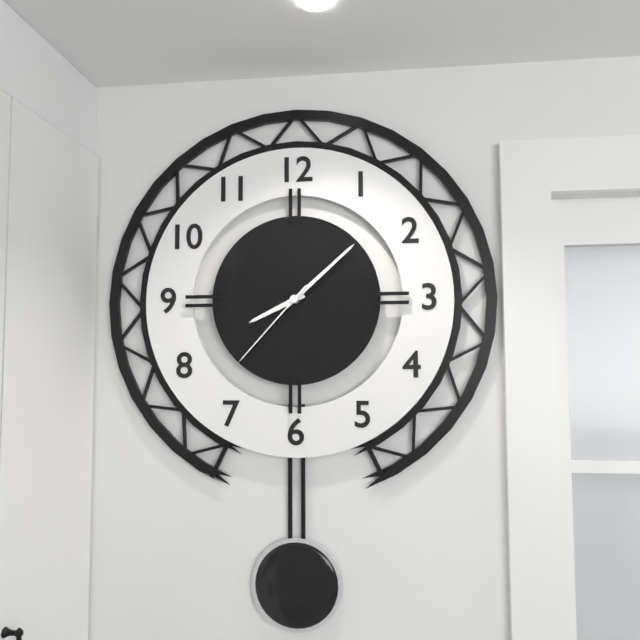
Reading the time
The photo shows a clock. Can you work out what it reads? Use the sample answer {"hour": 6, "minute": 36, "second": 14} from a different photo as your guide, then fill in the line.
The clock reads {"hour": 8, "minute": 8, "second": 37}
